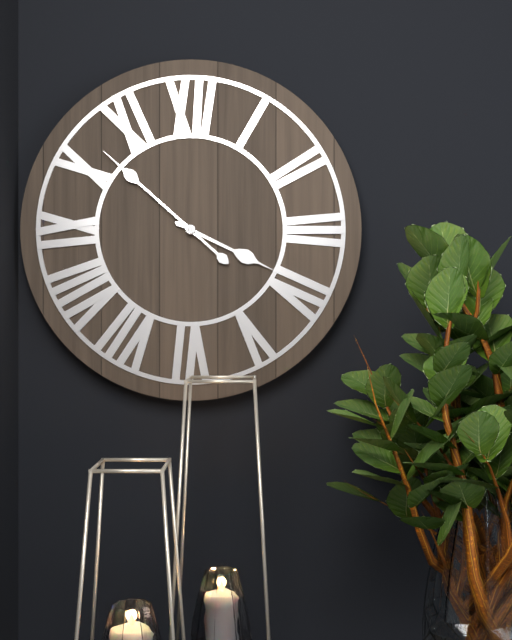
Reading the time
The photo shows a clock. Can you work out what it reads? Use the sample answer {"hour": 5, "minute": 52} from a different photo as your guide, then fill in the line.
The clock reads {"hour": 3, "minute": 52}
